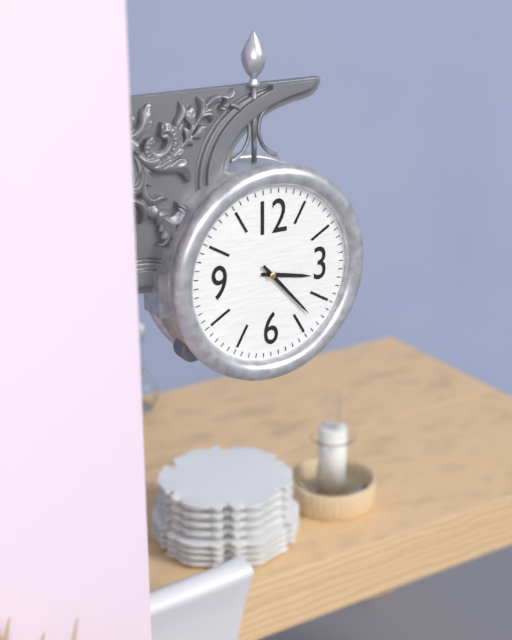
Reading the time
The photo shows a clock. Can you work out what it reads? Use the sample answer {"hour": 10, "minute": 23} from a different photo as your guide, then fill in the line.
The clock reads {"hour": 3, "minute": 23}
